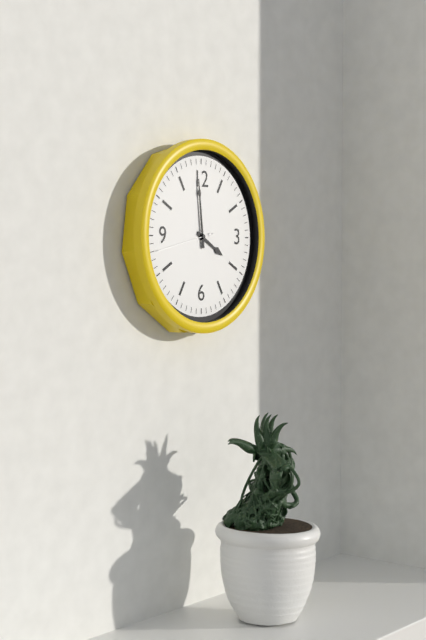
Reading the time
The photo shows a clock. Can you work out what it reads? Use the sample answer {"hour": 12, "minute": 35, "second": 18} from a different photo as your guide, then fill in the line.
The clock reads {"hour": 3, "minute": 59, "second": 43}
